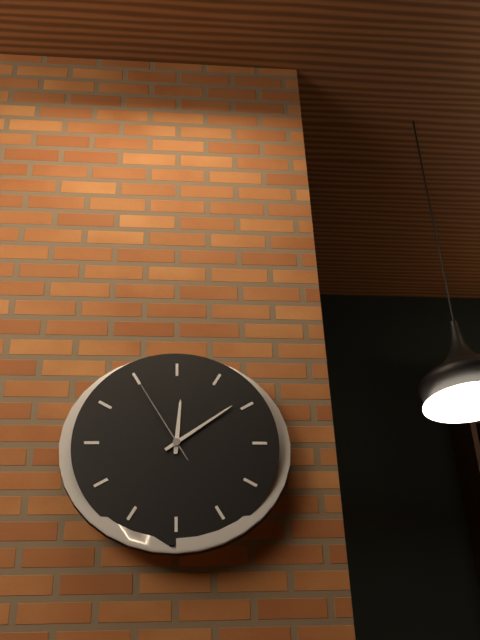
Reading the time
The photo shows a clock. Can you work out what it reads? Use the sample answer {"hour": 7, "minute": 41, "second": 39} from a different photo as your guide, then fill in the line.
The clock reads {"hour": 12, "minute": 9, "second": 55}
